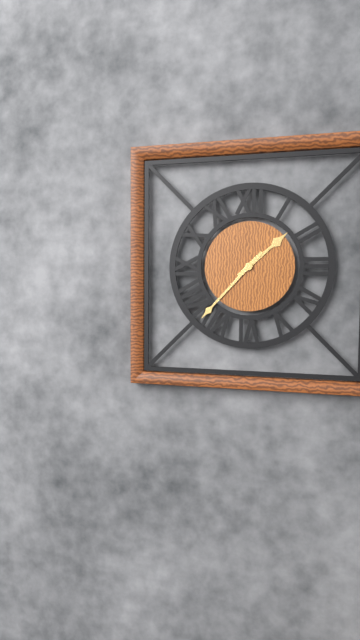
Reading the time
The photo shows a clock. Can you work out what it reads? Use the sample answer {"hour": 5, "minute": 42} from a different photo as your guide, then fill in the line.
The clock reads {"hour": 1, "minute": 37}
